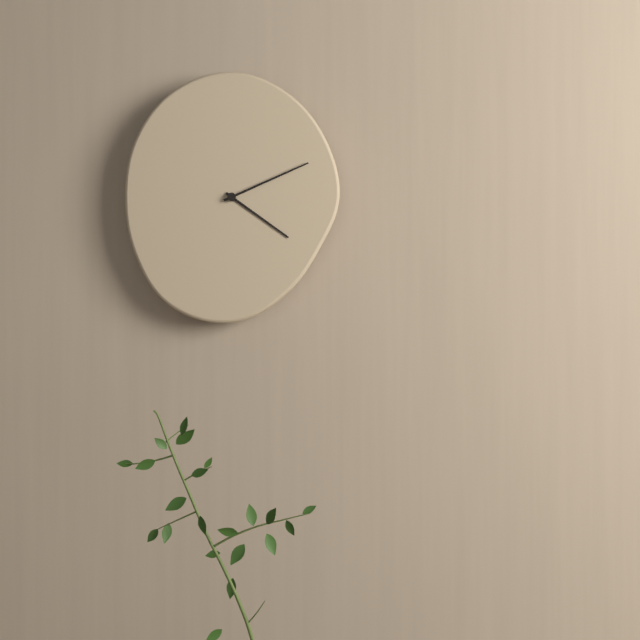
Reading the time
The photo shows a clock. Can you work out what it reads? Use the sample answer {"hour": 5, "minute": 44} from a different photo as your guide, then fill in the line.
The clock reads {"hour": 4, "minute": 11}
